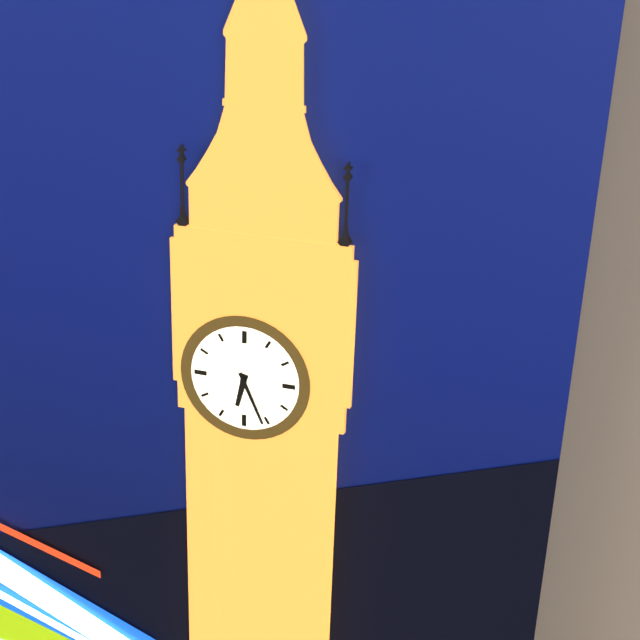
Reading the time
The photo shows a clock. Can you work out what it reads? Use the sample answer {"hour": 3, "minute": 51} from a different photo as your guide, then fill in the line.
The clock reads {"hour": 6, "minute": 26}
